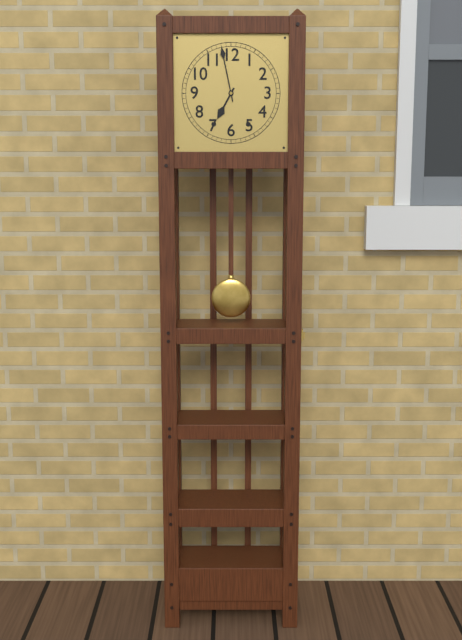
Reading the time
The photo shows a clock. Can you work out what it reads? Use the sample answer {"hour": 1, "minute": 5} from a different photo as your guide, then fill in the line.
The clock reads {"hour": 6, "minute": 58}
